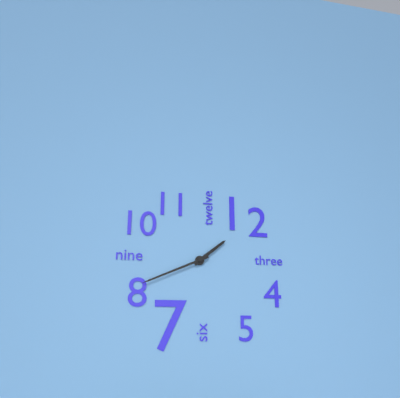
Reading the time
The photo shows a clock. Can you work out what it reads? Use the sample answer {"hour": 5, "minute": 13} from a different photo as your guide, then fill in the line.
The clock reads {"hour": 1, "minute": 41}
